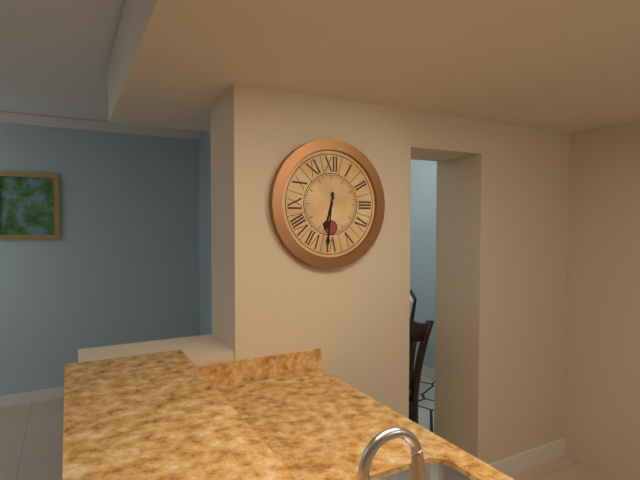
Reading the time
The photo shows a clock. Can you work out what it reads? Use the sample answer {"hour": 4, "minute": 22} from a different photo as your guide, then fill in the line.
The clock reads {"hour": 6, "minute": 31}
